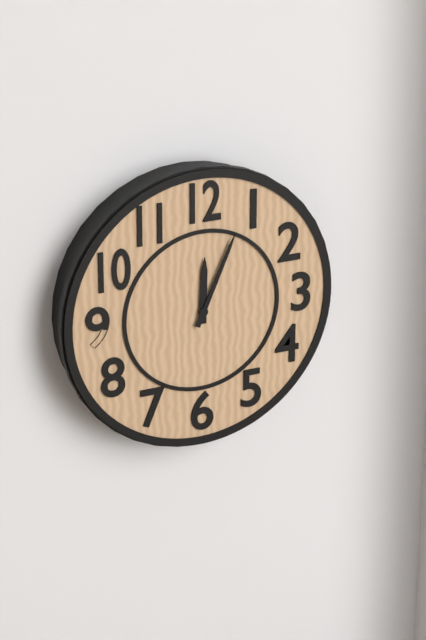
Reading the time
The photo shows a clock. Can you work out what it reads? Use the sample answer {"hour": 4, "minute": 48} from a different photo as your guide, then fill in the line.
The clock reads {"hour": 12, "minute": 4}
